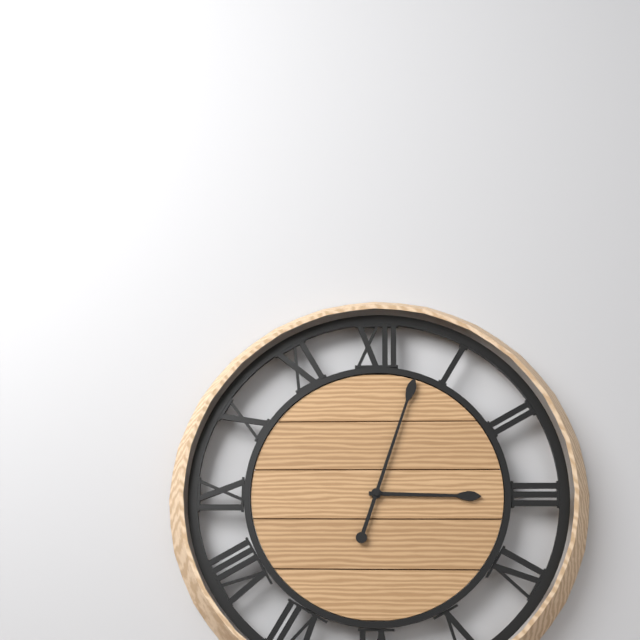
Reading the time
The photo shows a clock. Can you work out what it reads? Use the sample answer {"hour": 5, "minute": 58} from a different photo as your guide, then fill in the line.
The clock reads {"hour": 3, "minute": 3}
